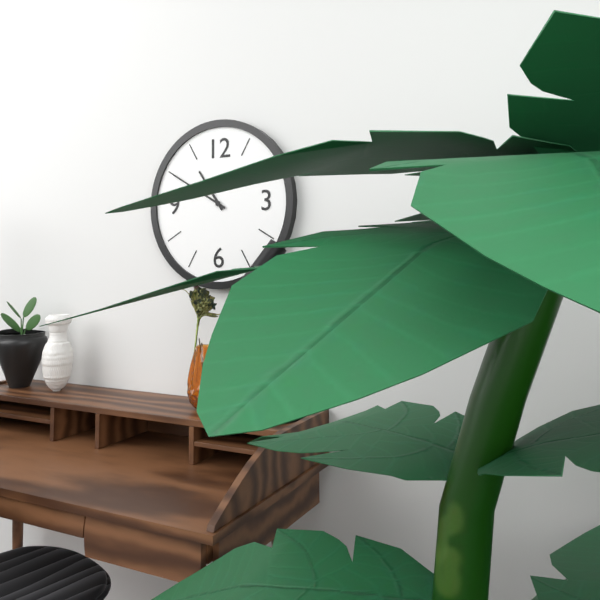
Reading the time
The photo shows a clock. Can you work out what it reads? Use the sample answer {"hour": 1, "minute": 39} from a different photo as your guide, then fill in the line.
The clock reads {"hour": 10, "minute": 50}
